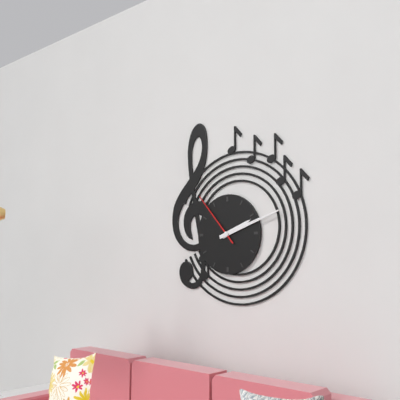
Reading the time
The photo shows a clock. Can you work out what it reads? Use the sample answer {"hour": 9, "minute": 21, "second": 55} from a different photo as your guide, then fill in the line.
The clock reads {"hour": 2, "minute": 12, "second": 53}
